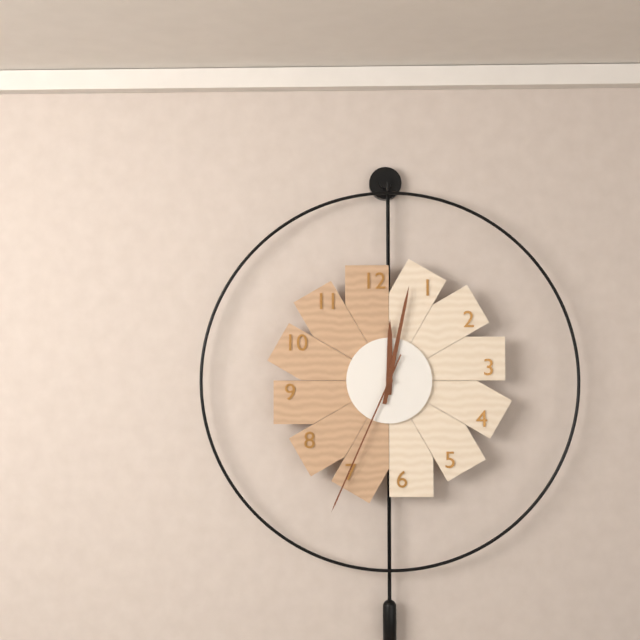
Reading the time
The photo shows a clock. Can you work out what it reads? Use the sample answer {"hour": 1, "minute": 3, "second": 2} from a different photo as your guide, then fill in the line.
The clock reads {"hour": 12, "minute": 2, "second": 34}
